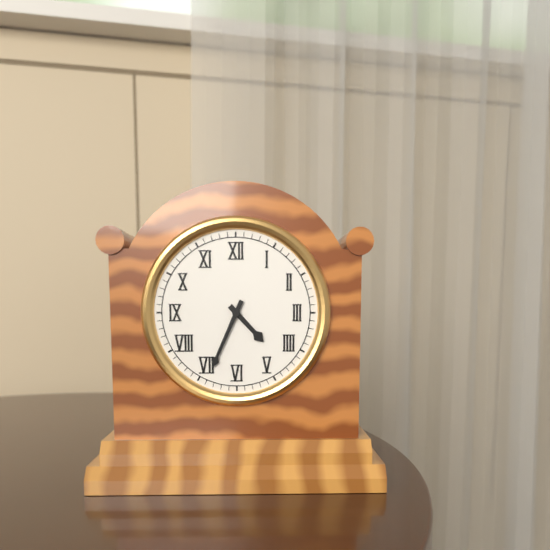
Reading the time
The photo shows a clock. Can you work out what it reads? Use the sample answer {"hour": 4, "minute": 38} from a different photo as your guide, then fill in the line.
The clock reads {"hour": 4, "minute": 34}
